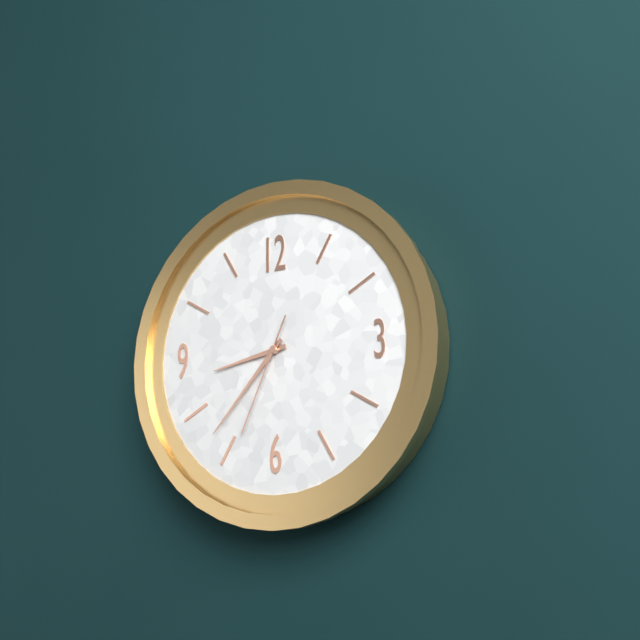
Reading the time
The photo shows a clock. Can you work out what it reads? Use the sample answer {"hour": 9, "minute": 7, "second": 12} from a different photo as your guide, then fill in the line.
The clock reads {"hour": 8, "minute": 37, "second": 34}
